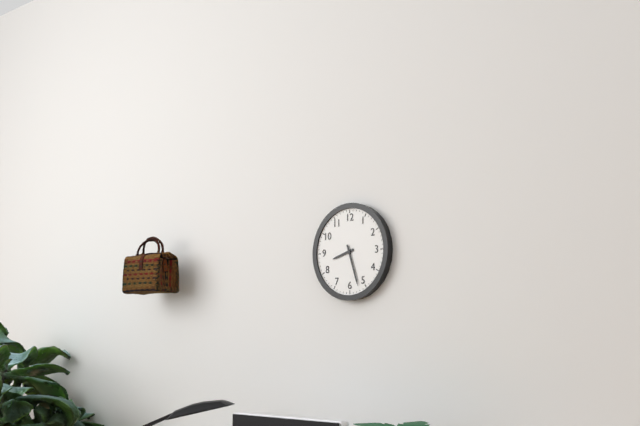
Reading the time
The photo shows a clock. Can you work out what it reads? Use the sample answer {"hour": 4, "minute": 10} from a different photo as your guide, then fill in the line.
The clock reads {"hour": 8, "minute": 27}
